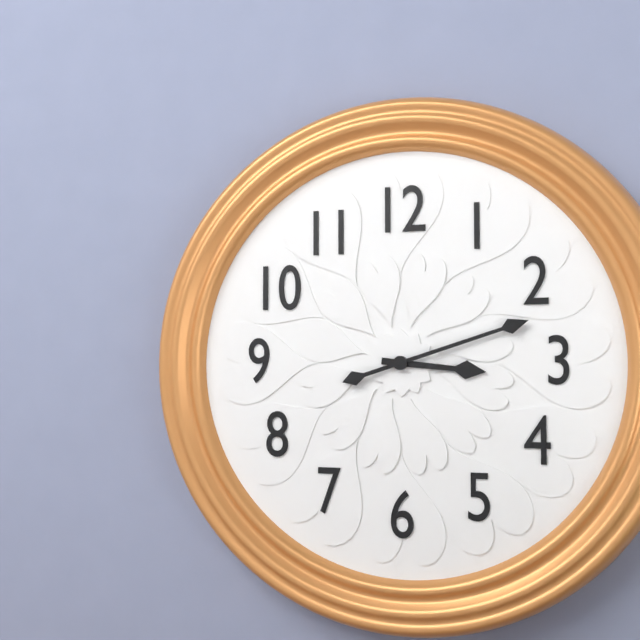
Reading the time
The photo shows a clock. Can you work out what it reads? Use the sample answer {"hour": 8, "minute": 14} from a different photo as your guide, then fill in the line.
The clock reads {"hour": 3, "minute": 12}
